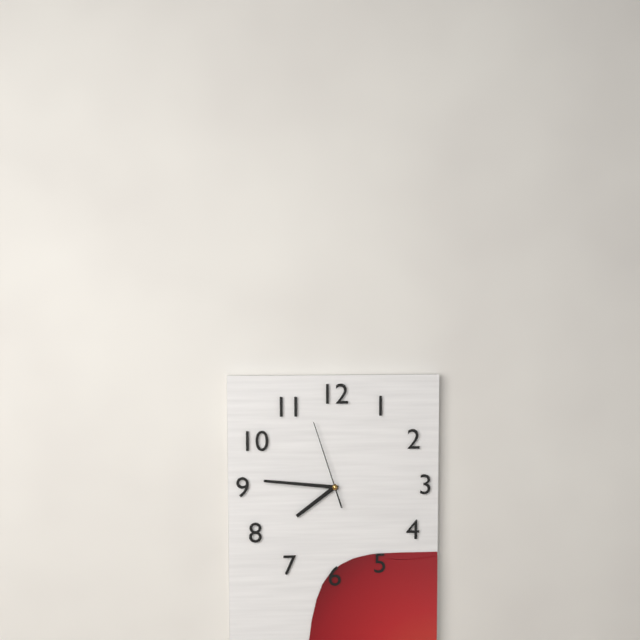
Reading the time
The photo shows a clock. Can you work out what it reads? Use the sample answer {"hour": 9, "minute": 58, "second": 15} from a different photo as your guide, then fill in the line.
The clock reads {"hour": 7, "minute": 46, "second": 57}
